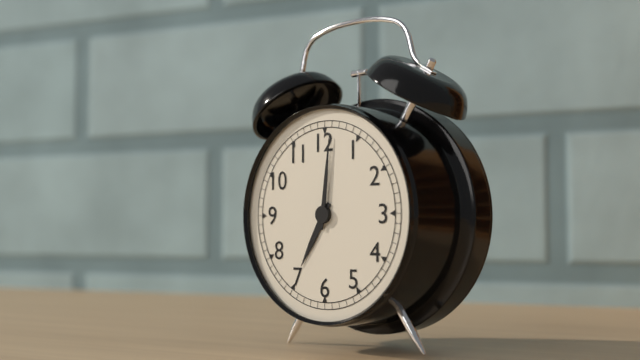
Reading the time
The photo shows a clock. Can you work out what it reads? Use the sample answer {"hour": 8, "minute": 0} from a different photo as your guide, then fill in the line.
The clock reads {"hour": 7, "minute": 1}
